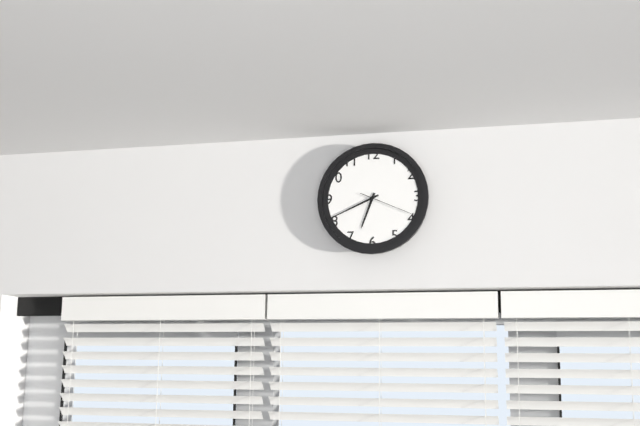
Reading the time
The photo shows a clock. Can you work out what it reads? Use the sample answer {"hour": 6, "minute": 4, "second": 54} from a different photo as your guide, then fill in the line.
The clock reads {"hour": 6, "minute": 41, "second": 19}
